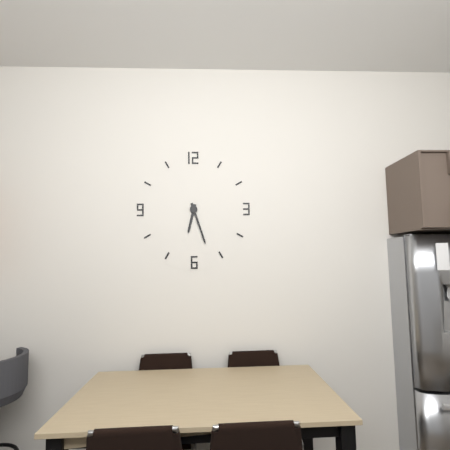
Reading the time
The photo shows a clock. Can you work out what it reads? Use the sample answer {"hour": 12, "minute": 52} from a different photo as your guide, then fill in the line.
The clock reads {"hour": 6, "minute": 27}
